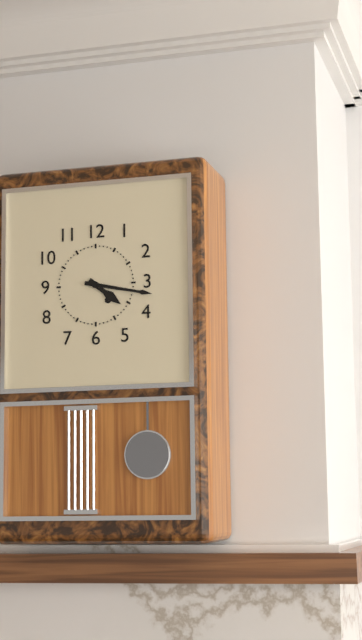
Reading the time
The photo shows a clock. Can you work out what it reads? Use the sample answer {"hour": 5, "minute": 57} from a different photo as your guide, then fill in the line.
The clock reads {"hour": 4, "minute": 17}
